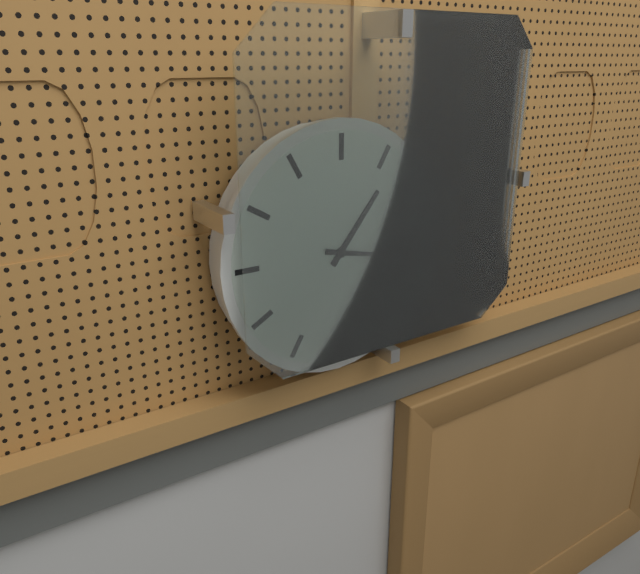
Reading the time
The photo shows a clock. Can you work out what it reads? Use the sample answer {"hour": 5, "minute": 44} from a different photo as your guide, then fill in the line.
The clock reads {"hour": 1, "minute": 17}
